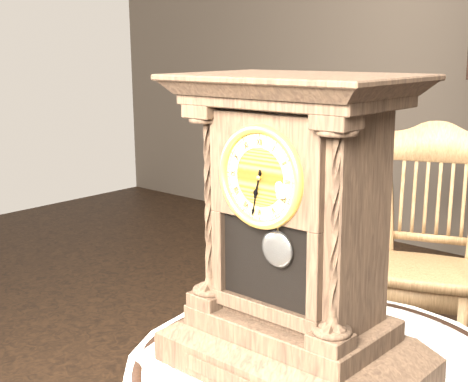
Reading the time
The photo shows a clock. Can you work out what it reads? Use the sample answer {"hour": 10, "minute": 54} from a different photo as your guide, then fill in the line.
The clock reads {"hour": 6, "minute": 32}
